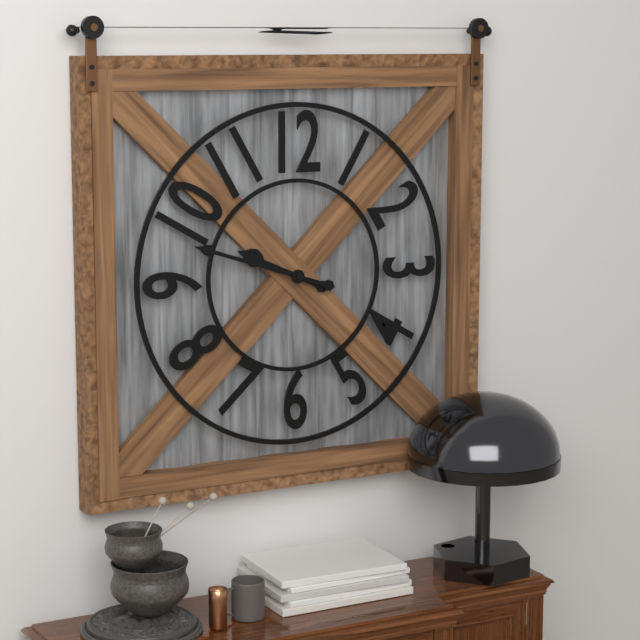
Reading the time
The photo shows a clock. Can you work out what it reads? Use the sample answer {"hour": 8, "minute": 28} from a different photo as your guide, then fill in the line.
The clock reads {"hour": 9, "minute": 48}
